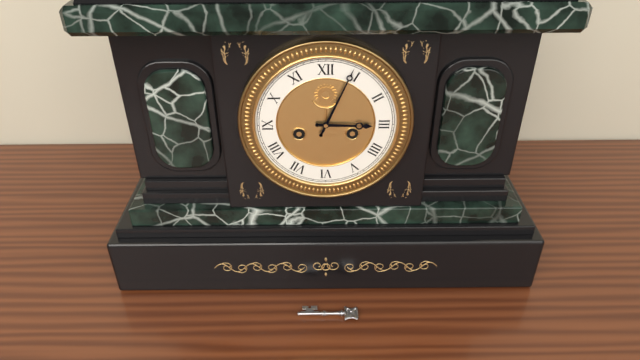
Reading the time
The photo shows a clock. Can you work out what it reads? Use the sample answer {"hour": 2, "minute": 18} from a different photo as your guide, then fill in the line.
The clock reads {"hour": 3, "minute": 4}
